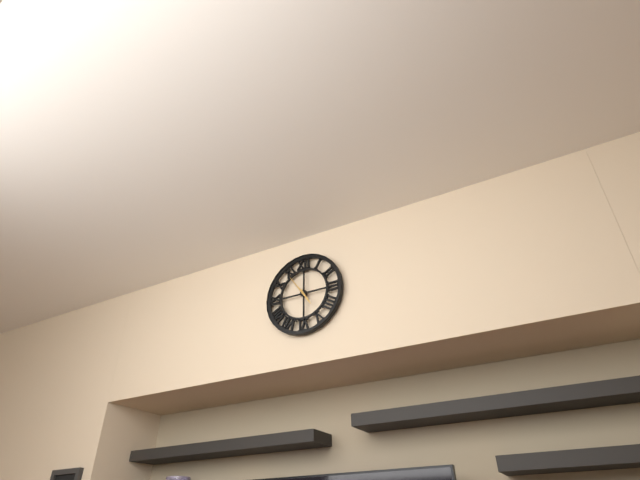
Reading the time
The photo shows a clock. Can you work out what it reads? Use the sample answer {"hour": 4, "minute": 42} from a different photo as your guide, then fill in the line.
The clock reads {"hour": 4, "minute": 54}
